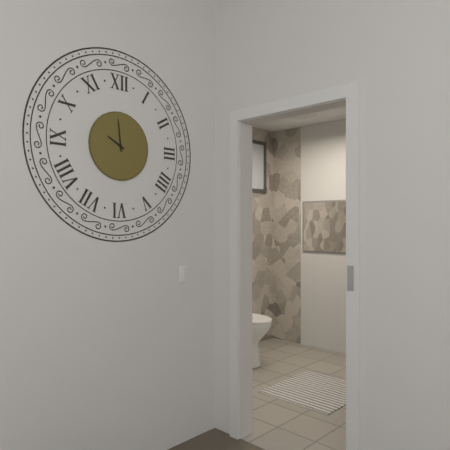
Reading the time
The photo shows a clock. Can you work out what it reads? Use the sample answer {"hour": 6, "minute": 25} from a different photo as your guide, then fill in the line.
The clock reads {"hour": 9, "minute": 59}
